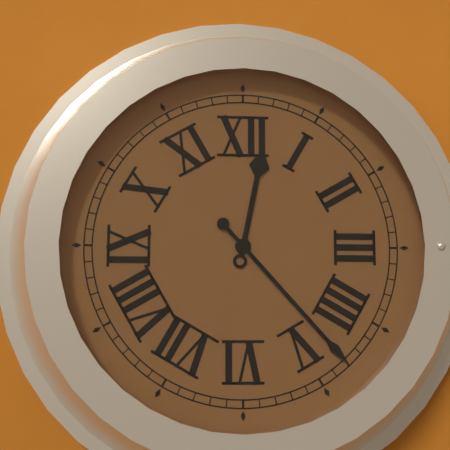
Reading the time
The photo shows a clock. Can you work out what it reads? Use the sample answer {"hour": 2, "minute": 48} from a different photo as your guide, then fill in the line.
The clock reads {"hour": 12, "minute": 23}
